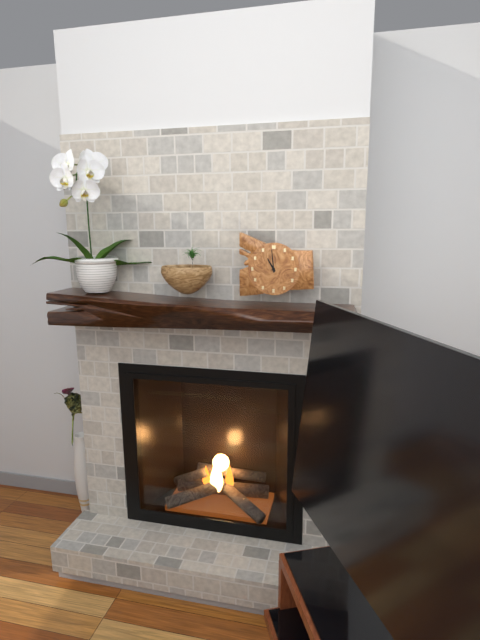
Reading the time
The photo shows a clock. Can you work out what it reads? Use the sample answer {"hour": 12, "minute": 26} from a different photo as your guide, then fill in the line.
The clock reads {"hour": 10, "minute": 59}
